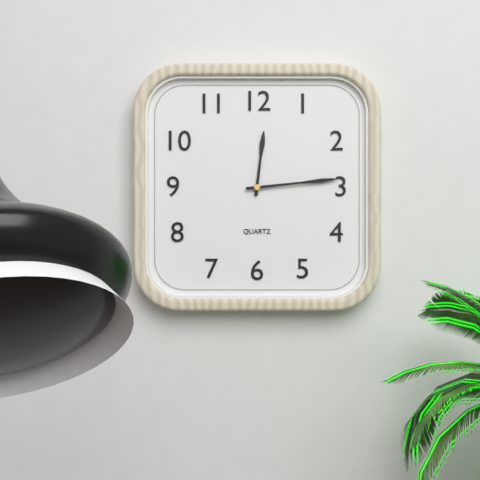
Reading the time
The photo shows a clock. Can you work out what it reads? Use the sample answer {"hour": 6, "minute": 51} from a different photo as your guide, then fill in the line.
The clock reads {"hour": 12, "minute": 14}
